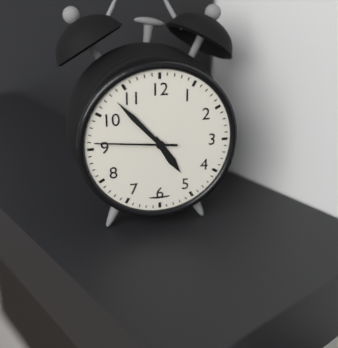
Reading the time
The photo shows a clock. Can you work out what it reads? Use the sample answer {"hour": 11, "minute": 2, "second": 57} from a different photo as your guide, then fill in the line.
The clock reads {"hour": 4, "minute": 53, "second": 46}
